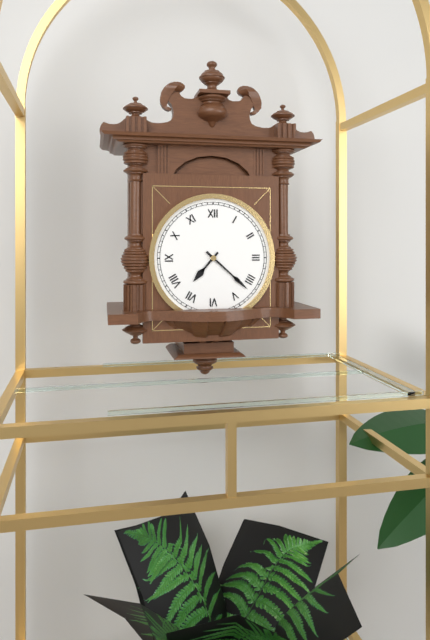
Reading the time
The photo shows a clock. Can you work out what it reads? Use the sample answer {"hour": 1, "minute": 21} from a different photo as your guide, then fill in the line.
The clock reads {"hour": 7, "minute": 22}
